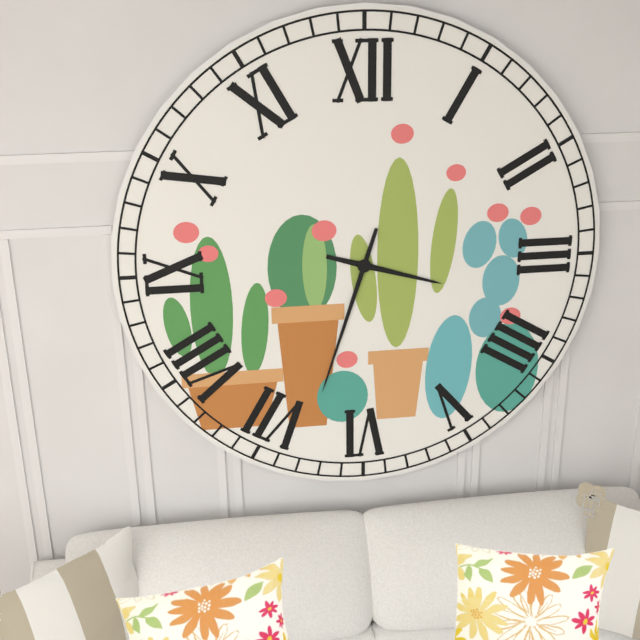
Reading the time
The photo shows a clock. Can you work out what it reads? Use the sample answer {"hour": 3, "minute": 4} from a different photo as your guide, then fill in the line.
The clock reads {"hour": 3, "minute": 33}
